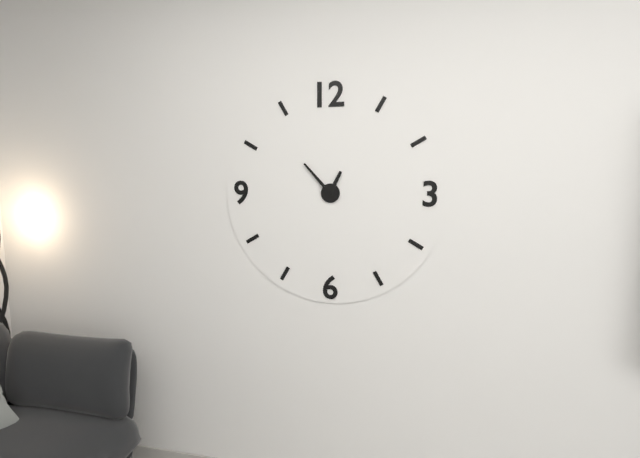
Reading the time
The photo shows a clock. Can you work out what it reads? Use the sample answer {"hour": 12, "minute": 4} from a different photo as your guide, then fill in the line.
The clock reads {"hour": 12, "minute": 53}
